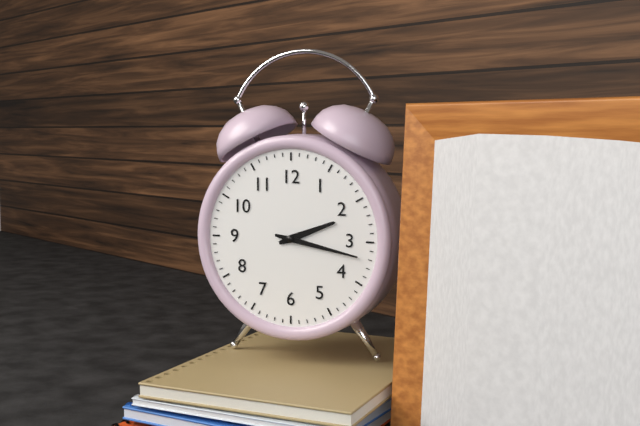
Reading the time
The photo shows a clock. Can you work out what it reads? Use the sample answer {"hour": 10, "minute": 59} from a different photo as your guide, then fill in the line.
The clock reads {"hour": 2, "minute": 17}
